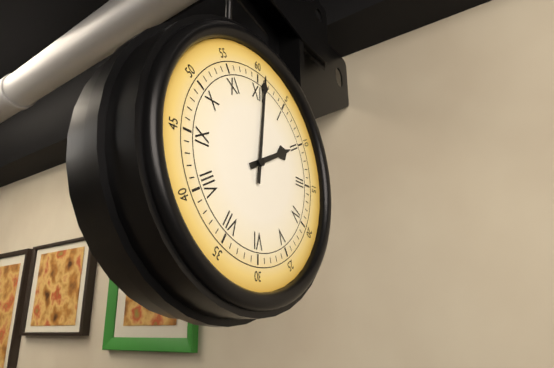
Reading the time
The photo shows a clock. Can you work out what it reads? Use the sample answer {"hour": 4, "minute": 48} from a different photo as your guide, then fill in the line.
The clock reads {"hour": 2, "minute": 1}
